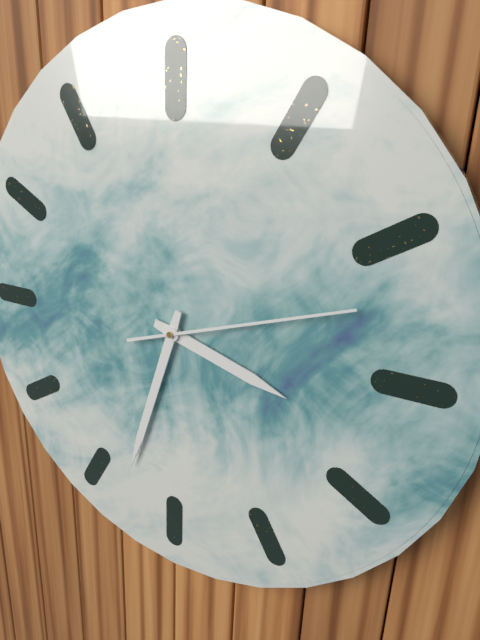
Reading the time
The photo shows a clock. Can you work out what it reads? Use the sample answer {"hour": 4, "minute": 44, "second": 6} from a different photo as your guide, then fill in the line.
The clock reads {"hour": 3, "minute": 33, "second": 12}
